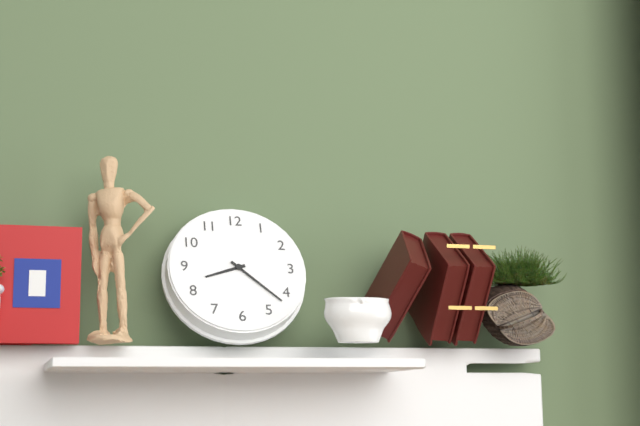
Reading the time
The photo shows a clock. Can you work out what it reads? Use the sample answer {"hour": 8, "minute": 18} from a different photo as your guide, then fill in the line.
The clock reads {"hour": 8, "minute": 22}
